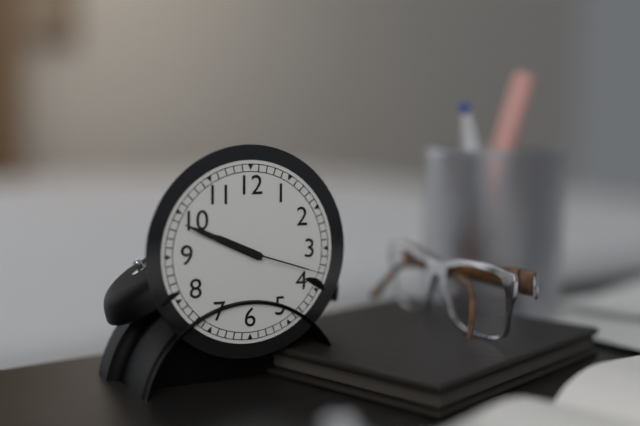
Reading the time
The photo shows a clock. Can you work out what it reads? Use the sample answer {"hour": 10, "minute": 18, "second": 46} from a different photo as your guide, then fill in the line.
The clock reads {"hour": 9, "minute": 49, "second": 18}
